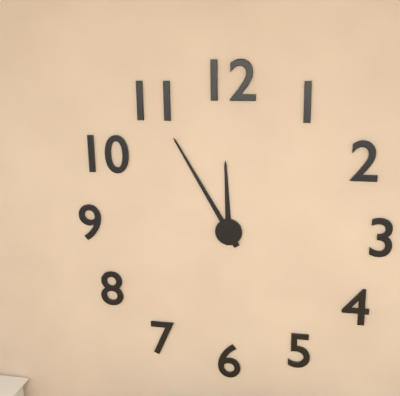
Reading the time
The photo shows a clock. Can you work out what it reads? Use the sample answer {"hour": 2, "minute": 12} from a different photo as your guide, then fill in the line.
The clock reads {"hour": 11, "minute": 55}
